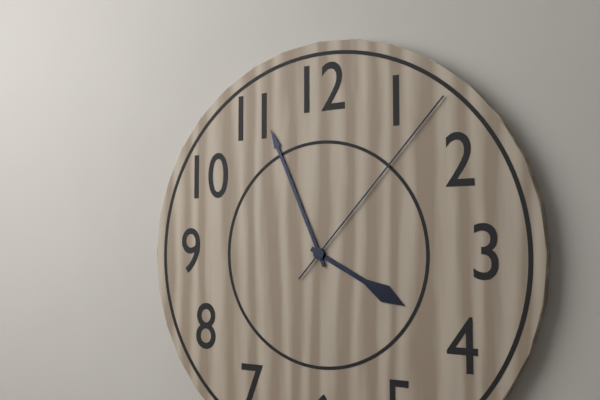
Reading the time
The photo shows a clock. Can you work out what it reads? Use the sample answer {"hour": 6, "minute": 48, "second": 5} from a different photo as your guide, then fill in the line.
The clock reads {"hour": 3, "minute": 56, "second": 7}
